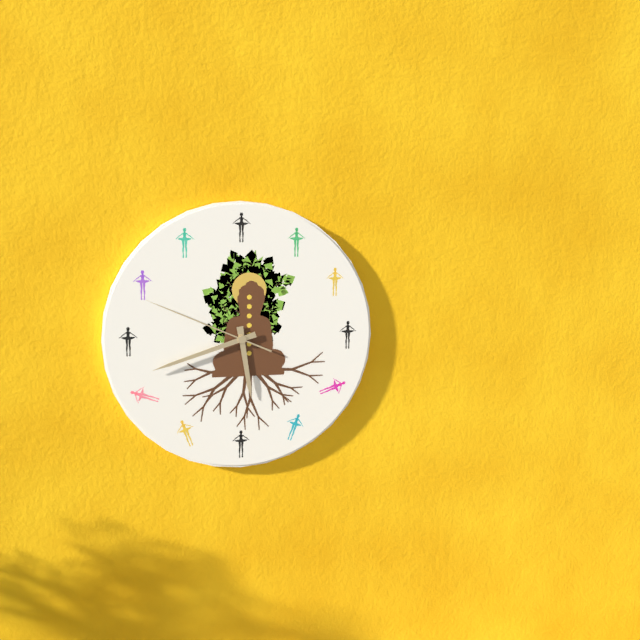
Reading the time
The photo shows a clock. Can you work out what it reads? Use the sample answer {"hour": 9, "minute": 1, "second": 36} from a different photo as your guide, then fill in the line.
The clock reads {"hour": 5, "minute": 42, "second": 49}
